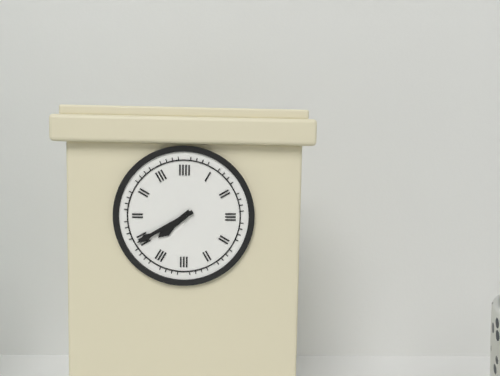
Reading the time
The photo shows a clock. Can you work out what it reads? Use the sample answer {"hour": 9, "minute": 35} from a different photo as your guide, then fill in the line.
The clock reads {"hour": 7, "minute": 40}
